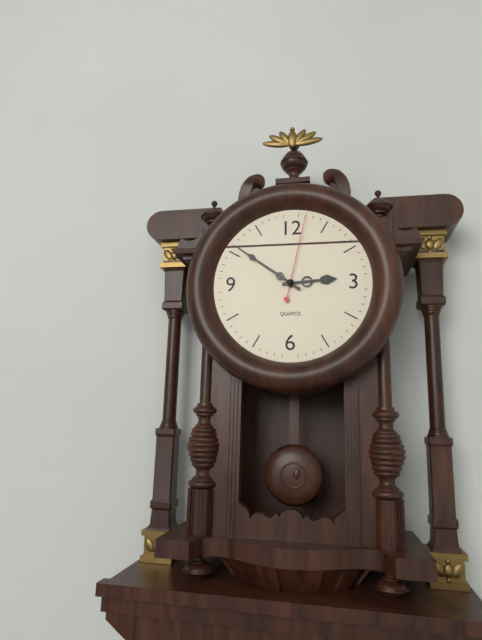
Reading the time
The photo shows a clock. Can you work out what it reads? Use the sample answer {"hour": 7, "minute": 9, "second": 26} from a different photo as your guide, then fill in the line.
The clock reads {"hour": 2, "minute": 51, "second": 2}
